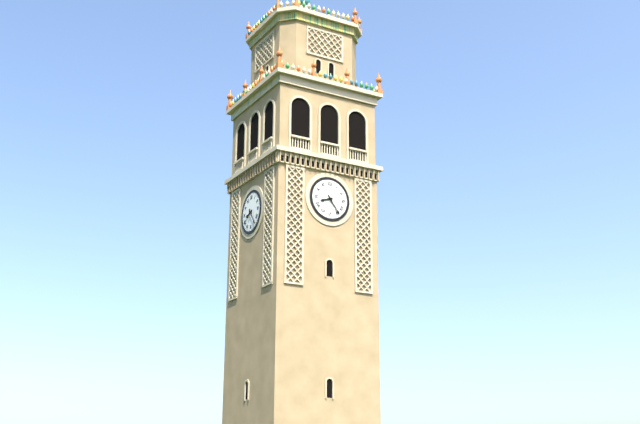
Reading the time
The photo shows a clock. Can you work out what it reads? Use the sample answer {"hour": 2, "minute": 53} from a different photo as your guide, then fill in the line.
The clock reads {"hour": 8, "minute": 24}
